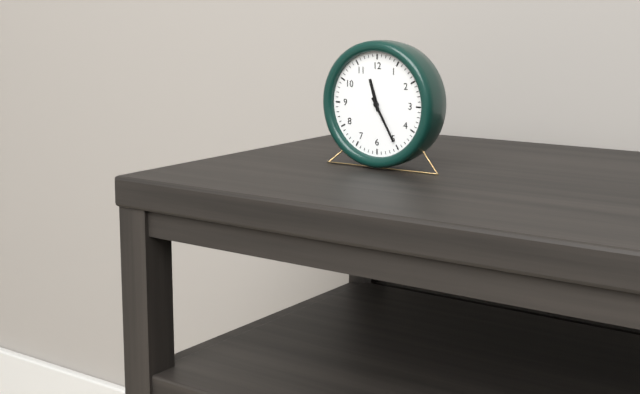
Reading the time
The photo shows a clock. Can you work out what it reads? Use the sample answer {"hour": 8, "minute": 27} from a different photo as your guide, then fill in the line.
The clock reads {"hour": 11, "minute": 25}
